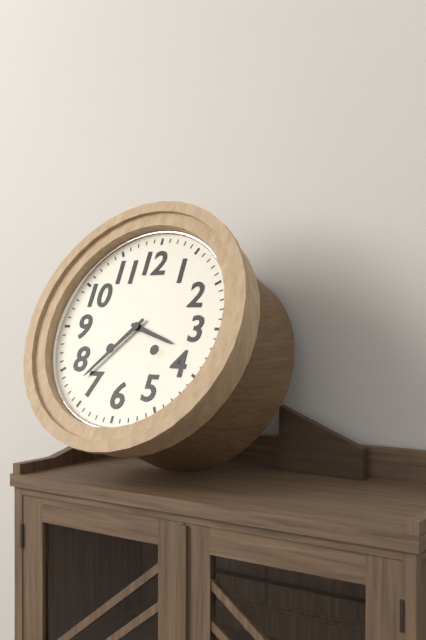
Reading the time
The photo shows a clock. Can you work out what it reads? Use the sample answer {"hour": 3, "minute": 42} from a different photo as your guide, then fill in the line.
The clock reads {"hour": 3, "minute": 37}
